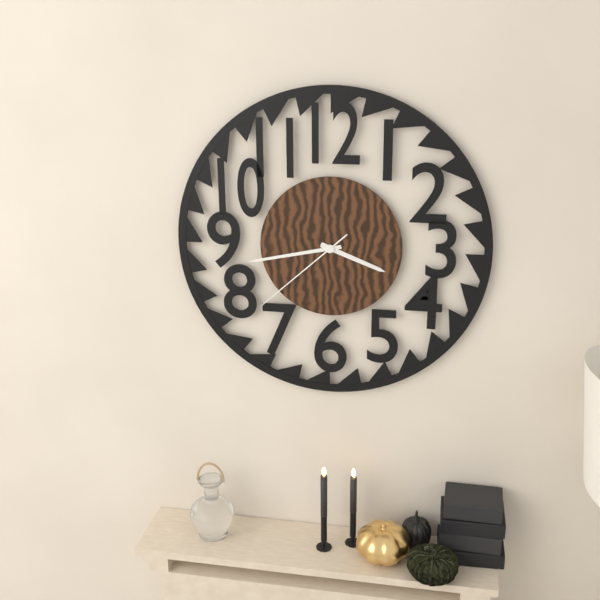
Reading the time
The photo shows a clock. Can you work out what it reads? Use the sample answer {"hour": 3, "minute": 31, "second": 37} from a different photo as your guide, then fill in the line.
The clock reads {"hour": 3, "minute": 43, "second": 38}
